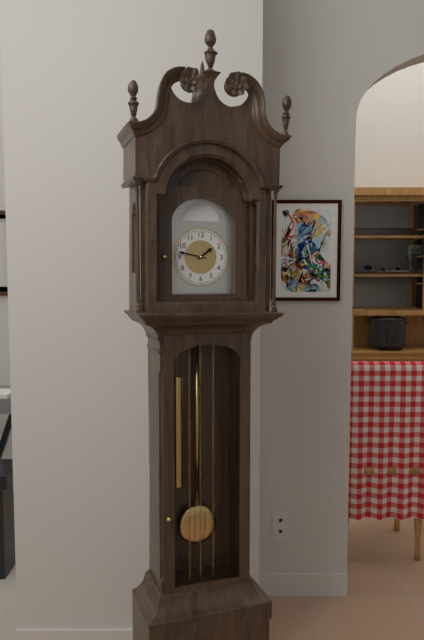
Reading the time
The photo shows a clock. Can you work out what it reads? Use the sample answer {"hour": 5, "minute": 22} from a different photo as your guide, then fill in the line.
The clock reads {"hour": 1, "minute": 47}
